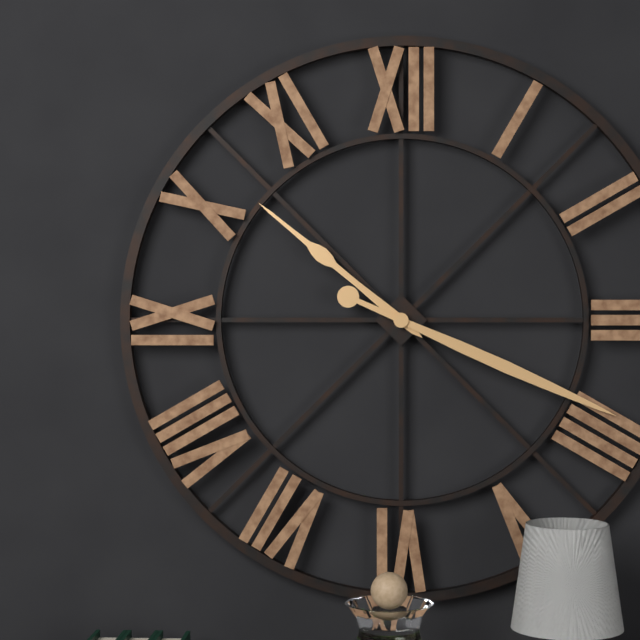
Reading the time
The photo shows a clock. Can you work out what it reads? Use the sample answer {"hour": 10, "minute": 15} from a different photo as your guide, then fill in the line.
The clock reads {"hour": 10, "minute": 19}
